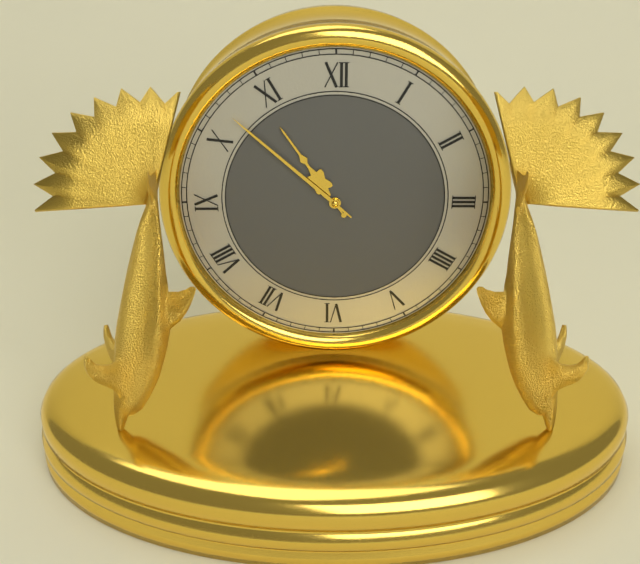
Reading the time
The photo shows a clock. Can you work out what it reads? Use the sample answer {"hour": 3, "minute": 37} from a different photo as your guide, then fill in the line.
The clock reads {"hour": 10, "minute": 52}
